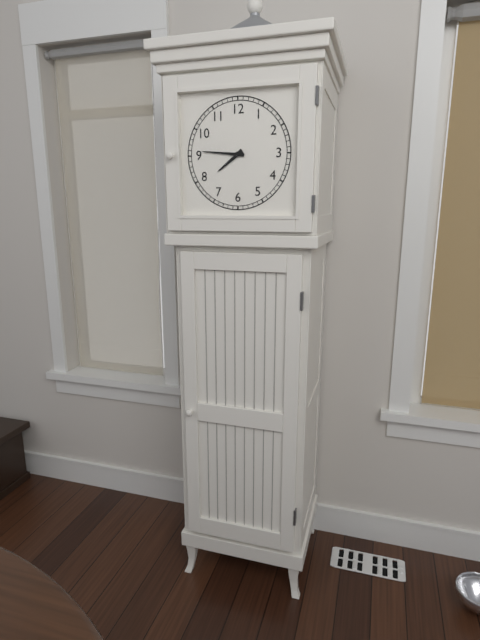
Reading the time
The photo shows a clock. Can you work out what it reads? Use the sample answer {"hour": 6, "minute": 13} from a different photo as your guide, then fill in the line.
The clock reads {"hour": 7, "minute": 46}
